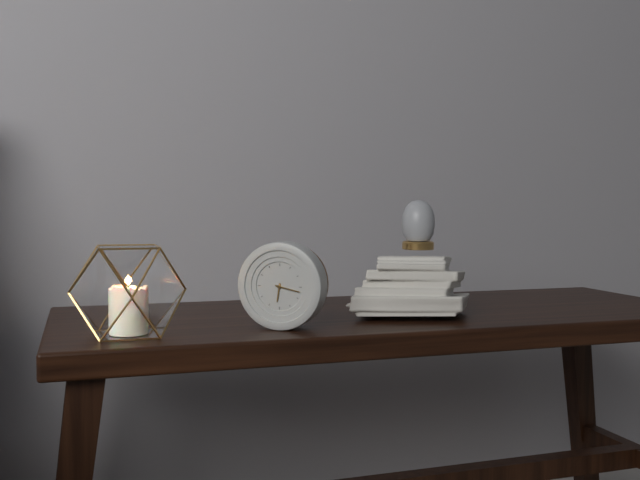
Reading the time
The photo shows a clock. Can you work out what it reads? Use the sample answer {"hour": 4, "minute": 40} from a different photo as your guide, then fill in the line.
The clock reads {"hour": 6, "minute": 17}
